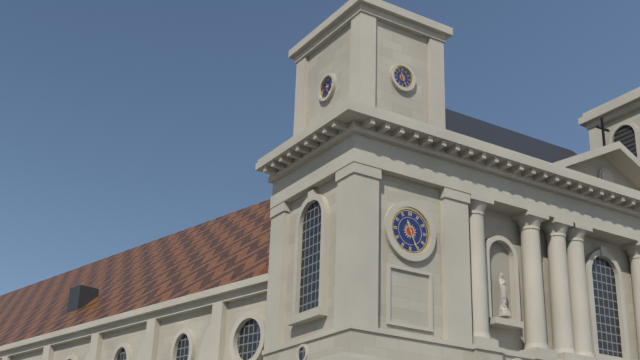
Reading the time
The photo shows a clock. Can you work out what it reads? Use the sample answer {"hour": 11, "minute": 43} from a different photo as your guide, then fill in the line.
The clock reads {"hour": 11, "minute": 26}
